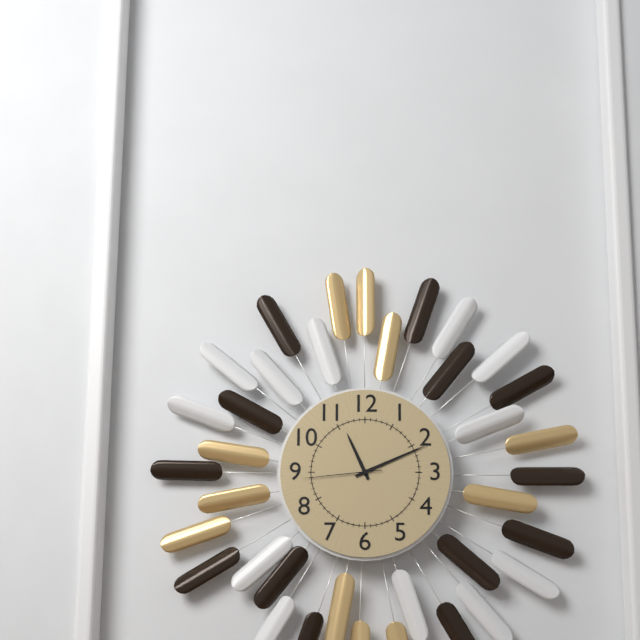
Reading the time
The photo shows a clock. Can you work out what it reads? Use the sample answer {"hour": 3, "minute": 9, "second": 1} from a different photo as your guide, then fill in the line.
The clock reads {"hour": 11, "minute": 11, "second": 44}
